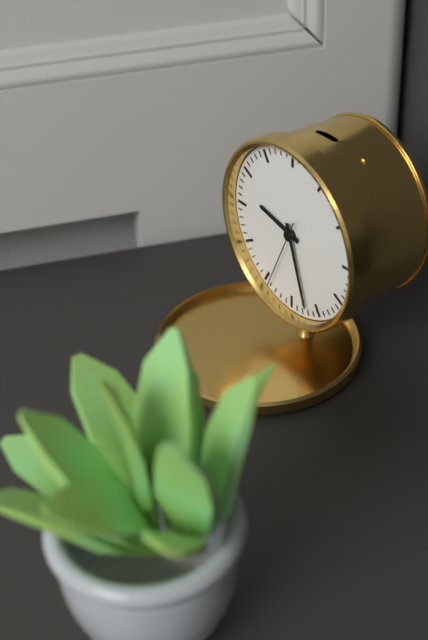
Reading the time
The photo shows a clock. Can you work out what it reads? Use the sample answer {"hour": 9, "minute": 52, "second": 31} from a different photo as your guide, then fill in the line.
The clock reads {"hour": 9, "minute": 27, "second": 34}
